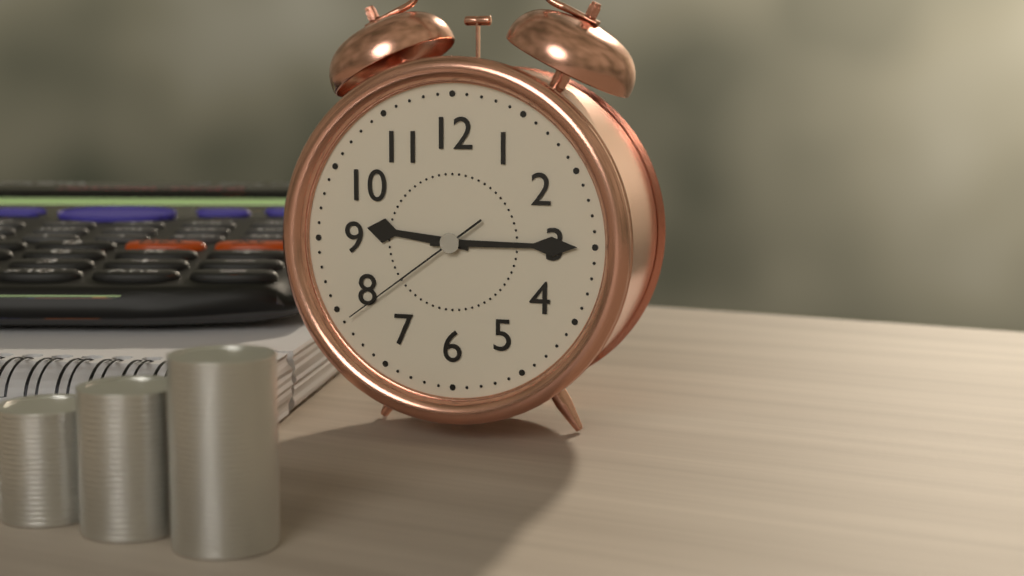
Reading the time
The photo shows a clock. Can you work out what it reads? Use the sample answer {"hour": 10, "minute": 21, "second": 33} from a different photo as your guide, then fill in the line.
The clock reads {"hour": 9, "minute": 15, "second": 39}
